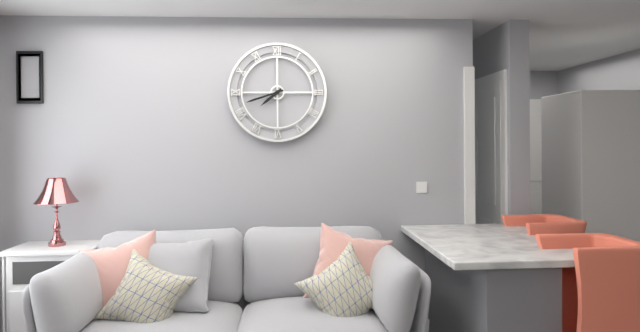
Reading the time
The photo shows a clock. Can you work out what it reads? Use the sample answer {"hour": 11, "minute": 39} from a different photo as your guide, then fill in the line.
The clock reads {"hour": 7, "minute": 42}
